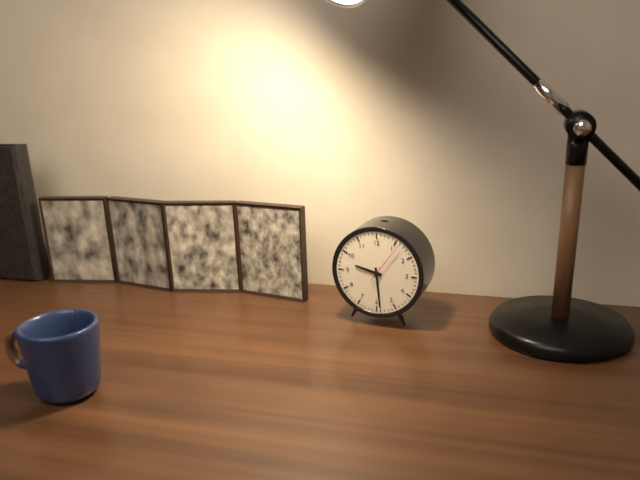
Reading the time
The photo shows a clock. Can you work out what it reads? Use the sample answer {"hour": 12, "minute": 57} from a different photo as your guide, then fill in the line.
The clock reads {"hour": 9, "minute": 29}
